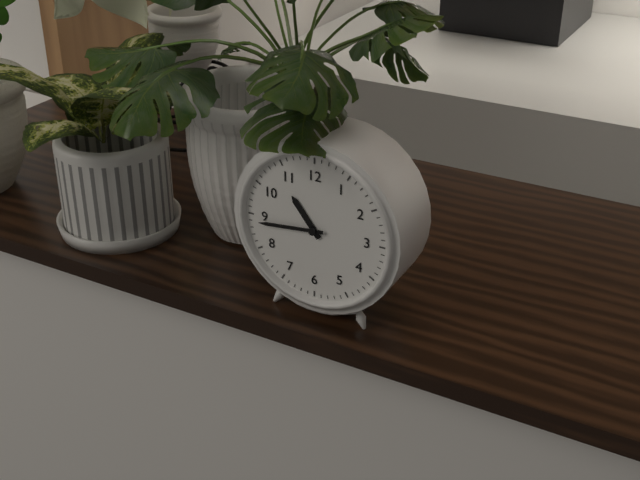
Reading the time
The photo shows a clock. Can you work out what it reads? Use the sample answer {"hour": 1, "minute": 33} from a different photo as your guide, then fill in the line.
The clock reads {"hour": 10, "minute": 44}
